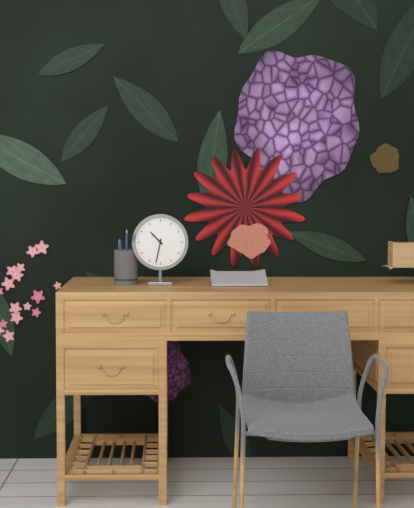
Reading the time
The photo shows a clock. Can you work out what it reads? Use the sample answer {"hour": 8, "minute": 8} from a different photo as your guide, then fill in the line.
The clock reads {"hour": 10, "minute": 32}
